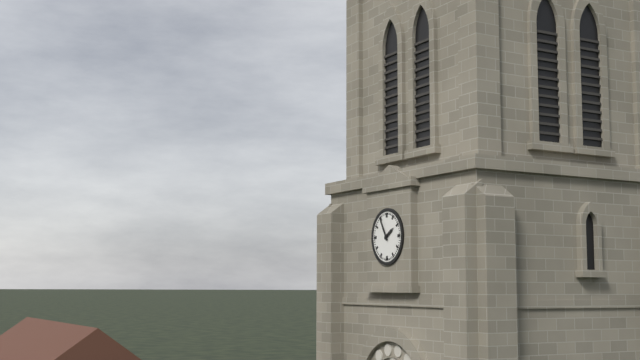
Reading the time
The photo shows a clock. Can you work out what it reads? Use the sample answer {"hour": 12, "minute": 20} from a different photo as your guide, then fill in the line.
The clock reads {"hour": 1, "minute": 55}
